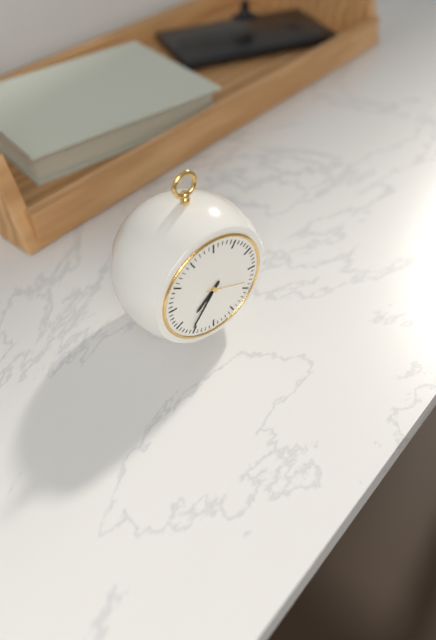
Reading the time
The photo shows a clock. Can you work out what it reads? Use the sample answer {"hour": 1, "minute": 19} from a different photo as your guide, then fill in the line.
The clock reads {"hour": 7, "minute": 36}
